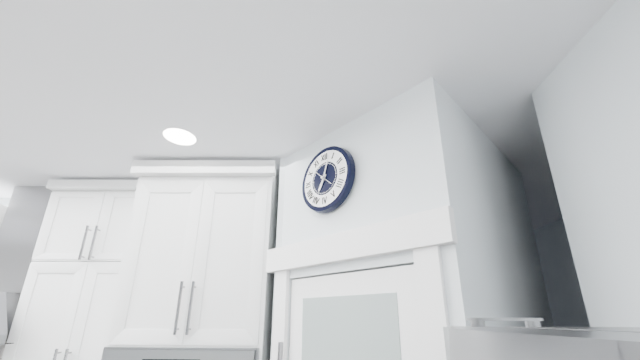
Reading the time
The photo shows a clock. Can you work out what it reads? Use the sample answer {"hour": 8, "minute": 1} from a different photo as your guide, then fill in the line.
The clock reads {"hour": 7, "minute": 3}
